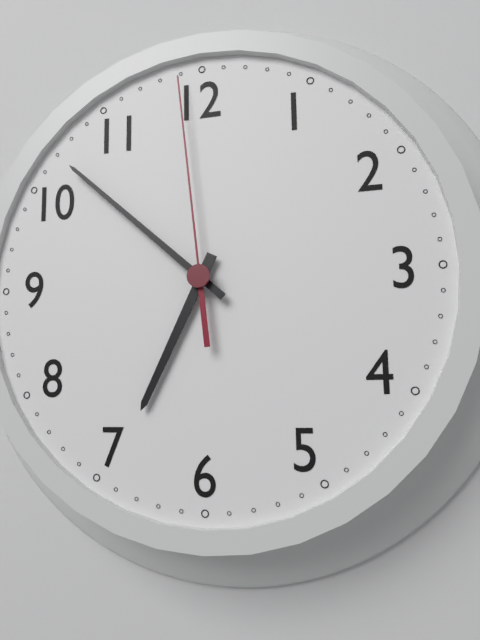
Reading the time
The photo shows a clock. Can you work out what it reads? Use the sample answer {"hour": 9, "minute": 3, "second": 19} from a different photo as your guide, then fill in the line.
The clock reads {"hour": 6, "minute": 52, "second": 59}
